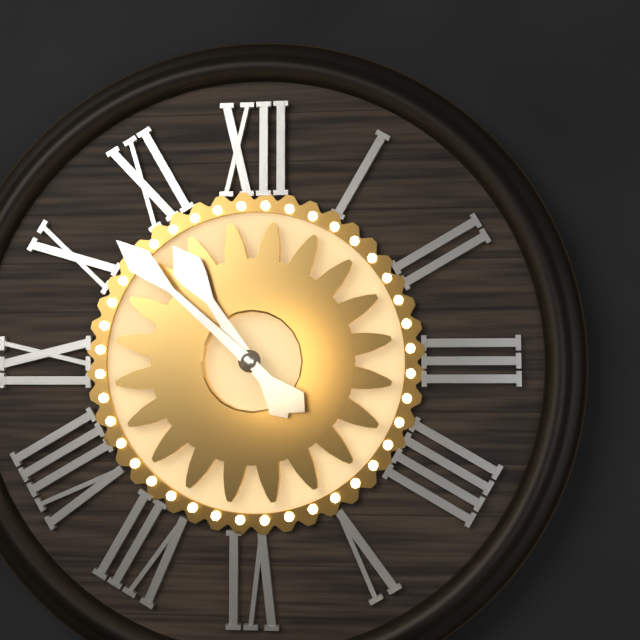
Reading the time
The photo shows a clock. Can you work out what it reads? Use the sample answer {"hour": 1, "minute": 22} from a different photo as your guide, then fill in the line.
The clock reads {"hour": 10, "minute": 52}
